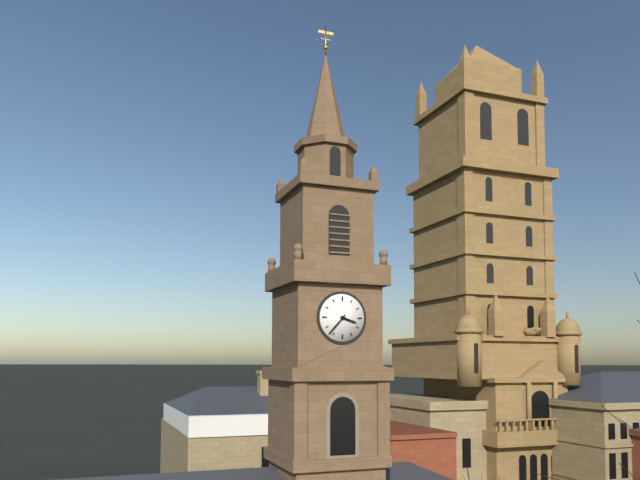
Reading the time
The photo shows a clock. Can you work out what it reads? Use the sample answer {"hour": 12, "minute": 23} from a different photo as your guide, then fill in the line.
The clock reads {"hour": 3, "minute": 37}
